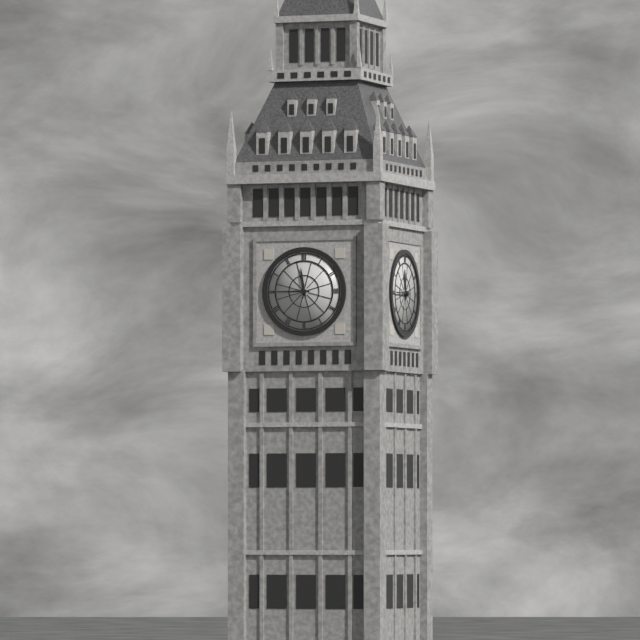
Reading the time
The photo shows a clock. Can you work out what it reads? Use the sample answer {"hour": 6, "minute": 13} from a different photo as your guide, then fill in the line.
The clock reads {"hour": 11, "minute": 45}
